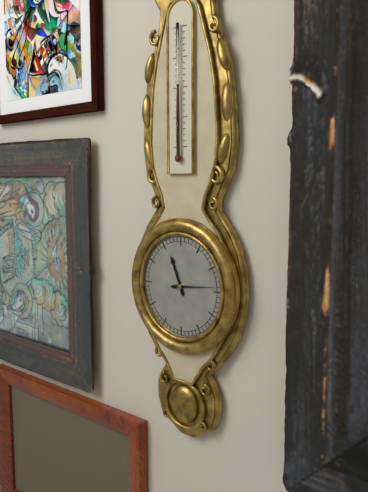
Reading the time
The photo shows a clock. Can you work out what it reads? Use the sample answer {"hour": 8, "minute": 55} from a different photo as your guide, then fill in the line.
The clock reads {"hour": 11, "minute": 14}
